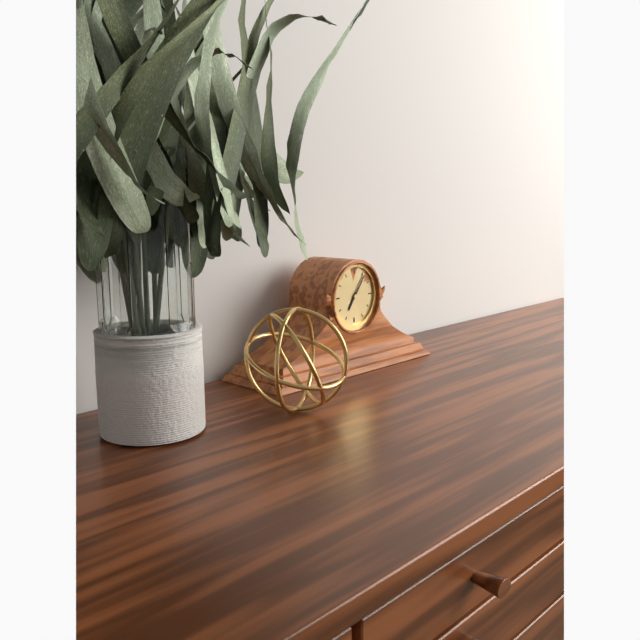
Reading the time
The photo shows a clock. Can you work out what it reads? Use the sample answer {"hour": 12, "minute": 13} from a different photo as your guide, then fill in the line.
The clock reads {"hour": 7, "minute": 6}
